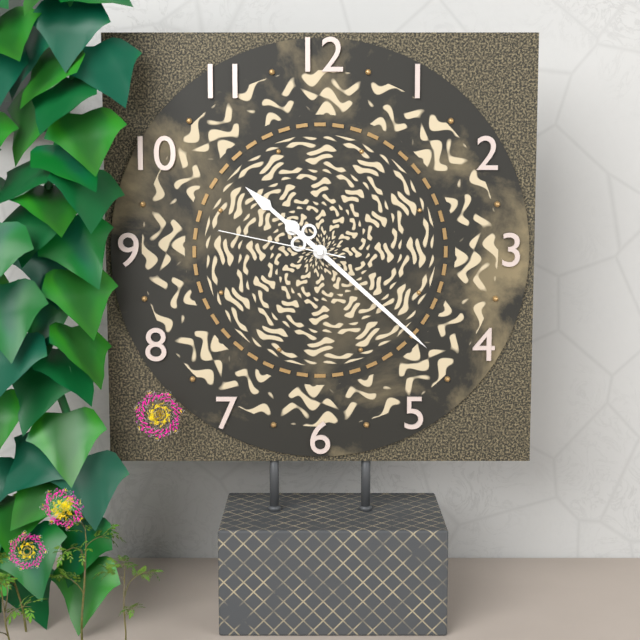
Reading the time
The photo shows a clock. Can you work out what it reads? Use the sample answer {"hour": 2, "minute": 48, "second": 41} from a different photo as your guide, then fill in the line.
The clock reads {"hour": 10, "minute": 22, "second": 47}
